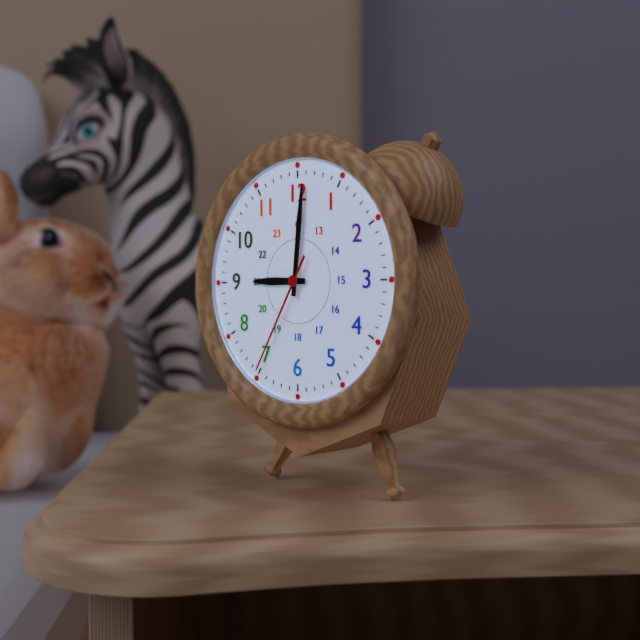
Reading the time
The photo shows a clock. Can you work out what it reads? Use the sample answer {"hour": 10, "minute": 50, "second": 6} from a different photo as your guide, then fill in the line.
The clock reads {"hour": 9, "minute": 1, "second": 35}
